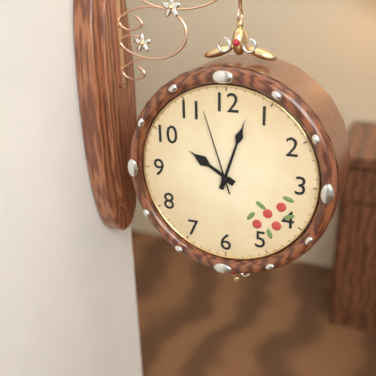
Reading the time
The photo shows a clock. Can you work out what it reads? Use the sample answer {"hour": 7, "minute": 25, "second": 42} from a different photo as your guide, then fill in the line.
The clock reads {"hour": 10, "minute": 3, "second": 57}
